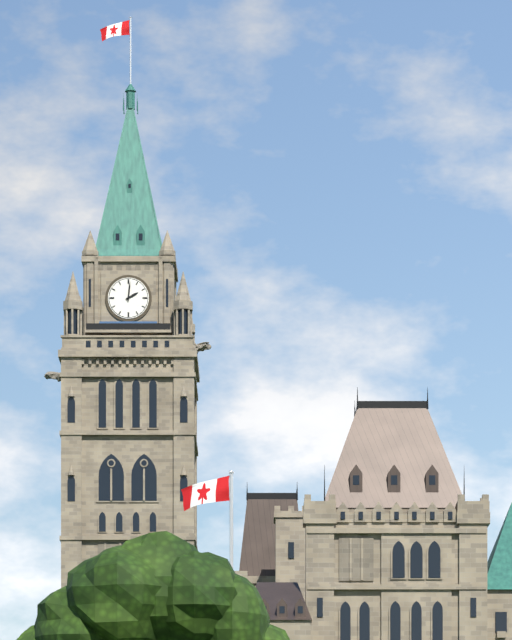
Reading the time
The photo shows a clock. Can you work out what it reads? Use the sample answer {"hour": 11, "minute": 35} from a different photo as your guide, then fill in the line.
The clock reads {"hour": 2, "minute": 1}
